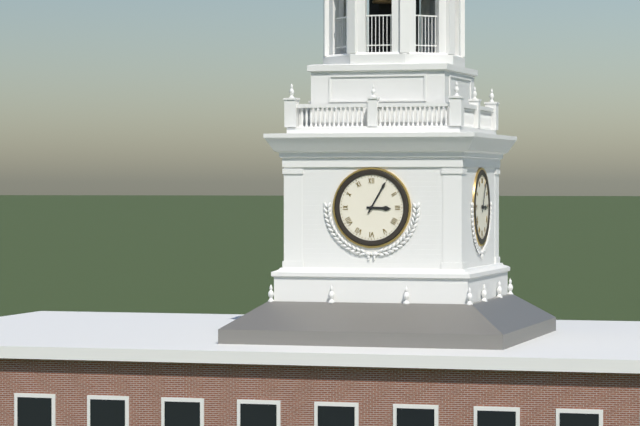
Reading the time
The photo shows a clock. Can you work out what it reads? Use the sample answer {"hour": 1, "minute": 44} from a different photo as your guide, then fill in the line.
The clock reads {"hour": 3, "minute": 5}
